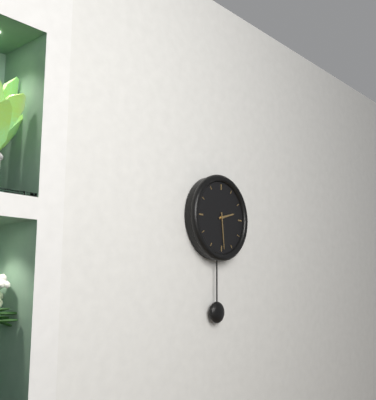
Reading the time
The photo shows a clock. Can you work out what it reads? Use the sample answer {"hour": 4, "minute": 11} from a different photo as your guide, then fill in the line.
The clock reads {"hour": 2, "minute": 29}
